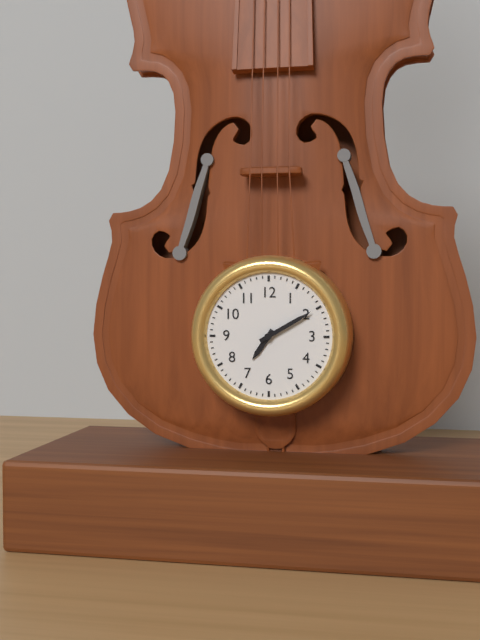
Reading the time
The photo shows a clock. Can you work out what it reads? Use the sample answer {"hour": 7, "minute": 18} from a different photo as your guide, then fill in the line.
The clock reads {"hour": 7, "minute": 10}
